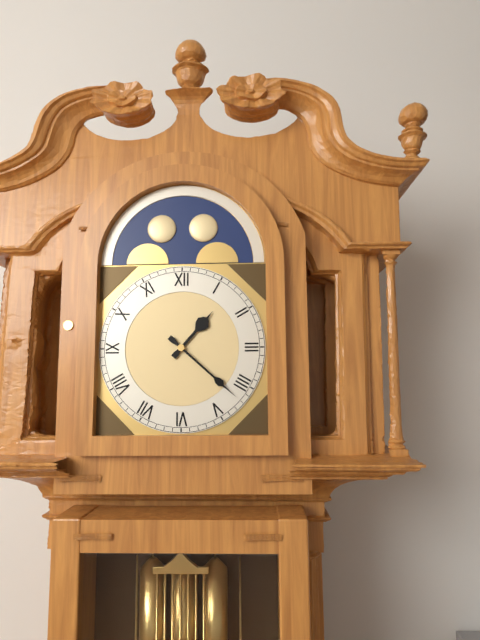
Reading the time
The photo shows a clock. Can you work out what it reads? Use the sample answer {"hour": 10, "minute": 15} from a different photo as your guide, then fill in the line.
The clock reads {"hour": 1, "minute": 22}
